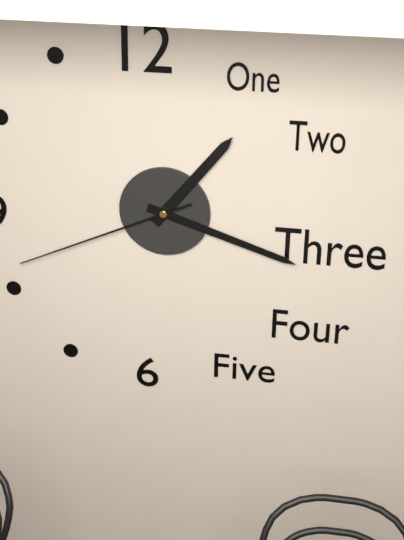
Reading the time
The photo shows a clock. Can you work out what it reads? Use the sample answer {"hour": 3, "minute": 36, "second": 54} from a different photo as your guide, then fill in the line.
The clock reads {"hour": 1, "minute": 18, "second": 41}
